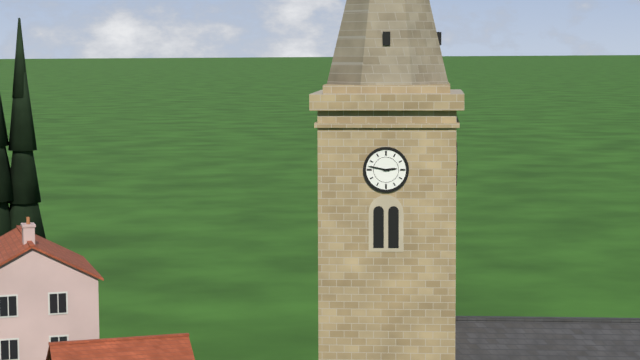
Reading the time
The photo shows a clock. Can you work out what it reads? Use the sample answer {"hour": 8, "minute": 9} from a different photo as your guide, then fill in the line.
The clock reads {"hour": 2, "minute": 47}
